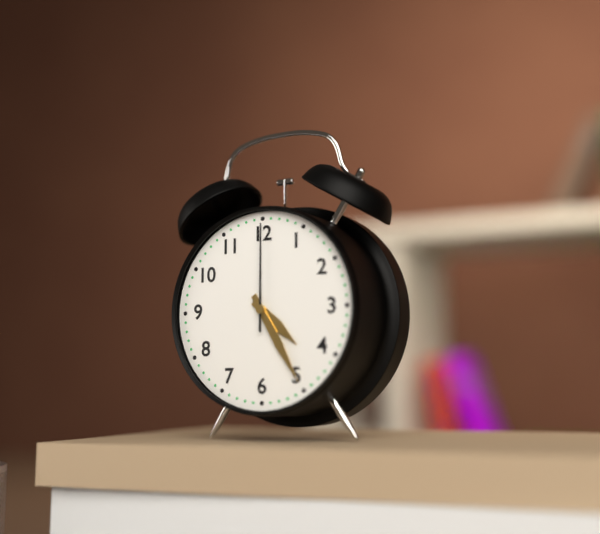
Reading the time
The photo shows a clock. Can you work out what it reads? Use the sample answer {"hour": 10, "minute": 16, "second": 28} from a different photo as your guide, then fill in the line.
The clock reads {"hour": 4, "minute": 25, "second": 0}
